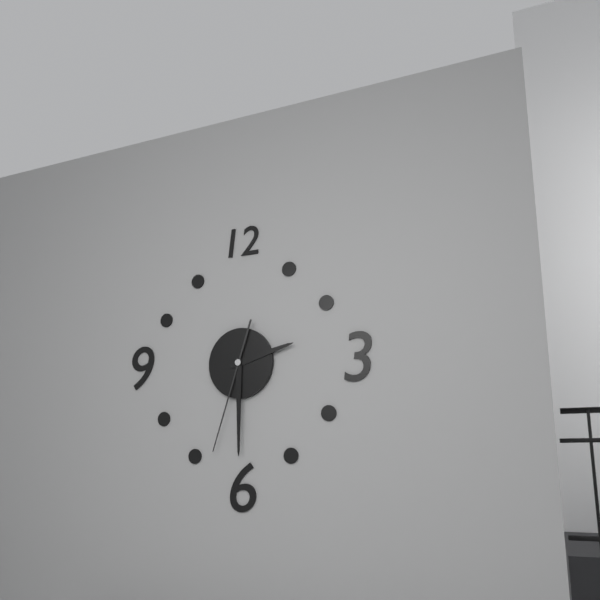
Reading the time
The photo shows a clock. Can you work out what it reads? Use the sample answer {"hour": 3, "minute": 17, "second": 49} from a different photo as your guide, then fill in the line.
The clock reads {"hour": 2, "minute": 30, "second": 33}
